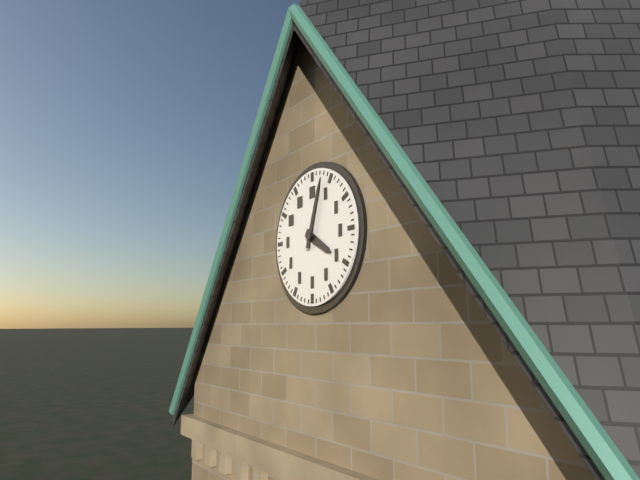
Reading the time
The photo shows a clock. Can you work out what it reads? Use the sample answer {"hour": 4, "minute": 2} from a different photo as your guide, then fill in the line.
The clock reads {"hour": 4, "minute": 3}
